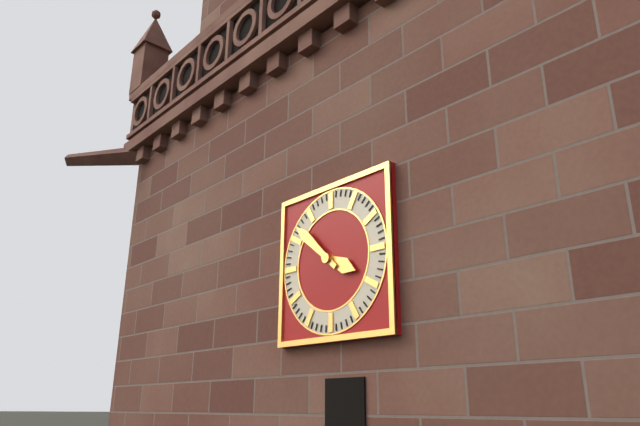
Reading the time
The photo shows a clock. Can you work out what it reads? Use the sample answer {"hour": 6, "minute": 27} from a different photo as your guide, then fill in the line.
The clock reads {"hour": 3, "minute": 52}
